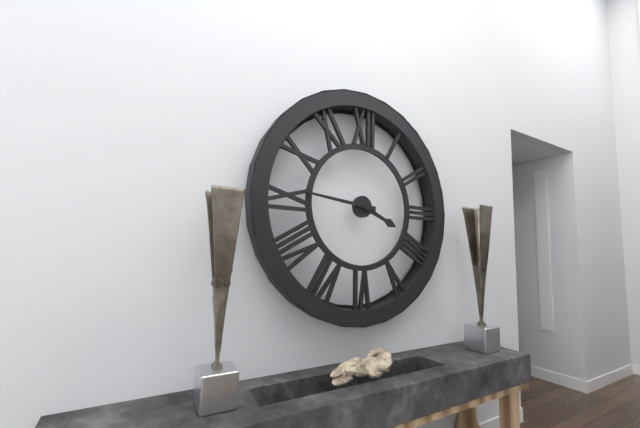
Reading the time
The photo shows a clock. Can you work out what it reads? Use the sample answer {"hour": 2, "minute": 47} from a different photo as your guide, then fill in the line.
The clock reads {"hour": 3, "minute": 46}
